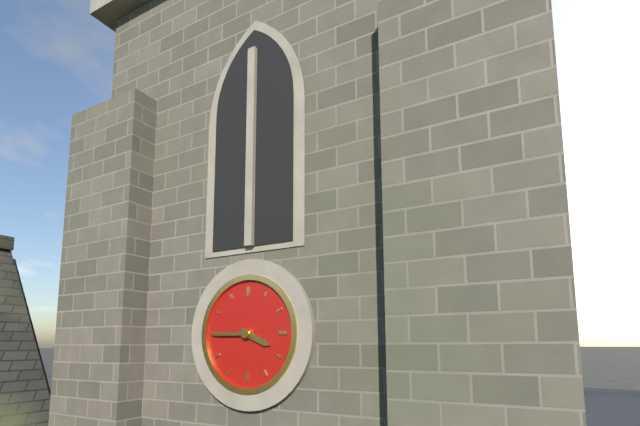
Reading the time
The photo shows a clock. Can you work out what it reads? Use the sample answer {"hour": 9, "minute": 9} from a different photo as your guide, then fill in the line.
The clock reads {"hour": 3, "minute": 45}
